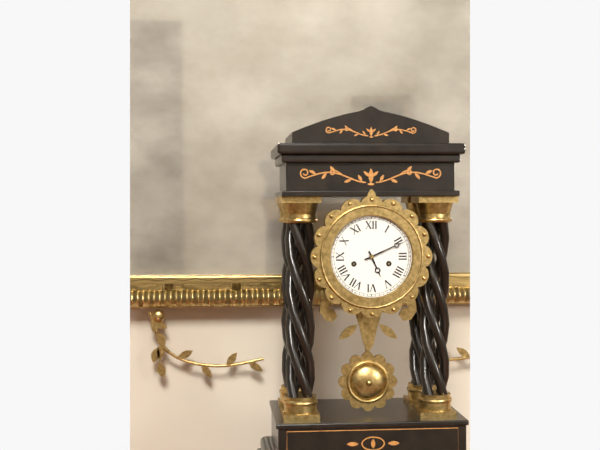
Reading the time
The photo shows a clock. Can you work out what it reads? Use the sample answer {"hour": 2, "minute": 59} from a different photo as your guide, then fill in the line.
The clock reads {"hour": 5, "minute": 11}
